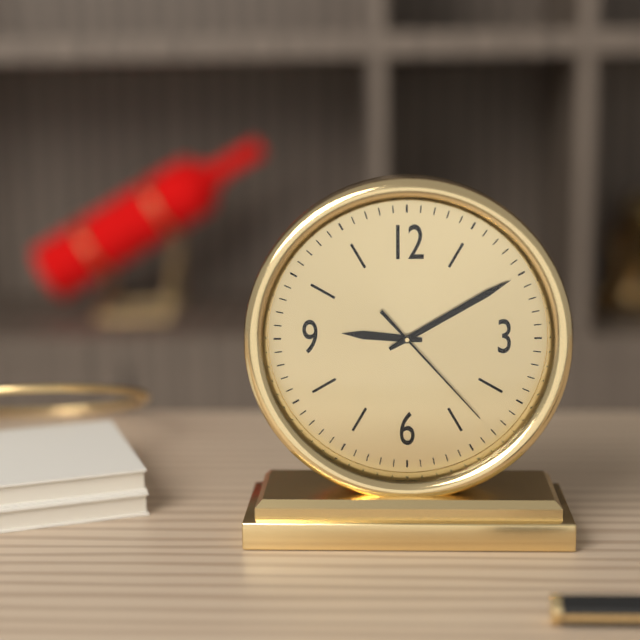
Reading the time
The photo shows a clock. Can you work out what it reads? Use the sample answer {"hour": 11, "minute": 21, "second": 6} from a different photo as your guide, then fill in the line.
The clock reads {"hour": 9, "minute": 10, "second": 23}
